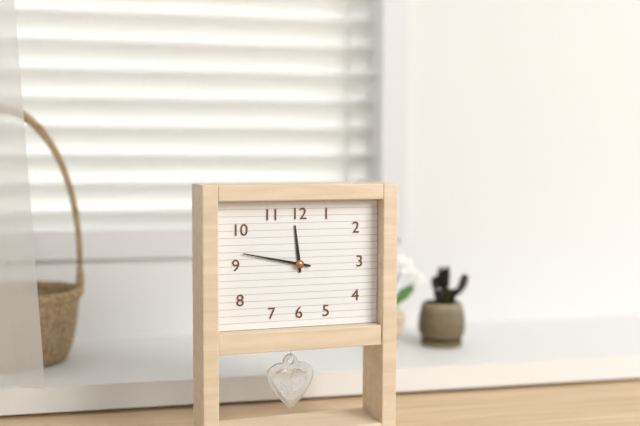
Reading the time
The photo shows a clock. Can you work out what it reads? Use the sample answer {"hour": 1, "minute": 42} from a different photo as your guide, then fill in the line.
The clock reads {"hour": 11, "minute": 47}
